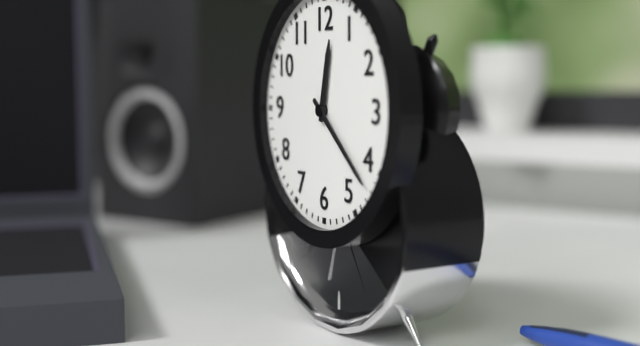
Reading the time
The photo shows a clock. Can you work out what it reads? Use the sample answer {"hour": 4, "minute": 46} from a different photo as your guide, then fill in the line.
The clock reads {"hour": 12, "minute": 22}
